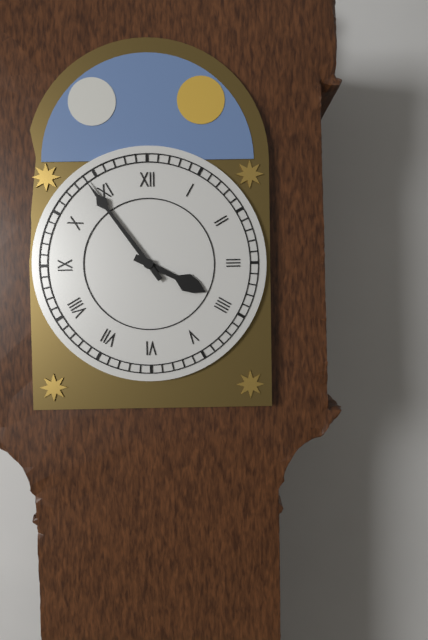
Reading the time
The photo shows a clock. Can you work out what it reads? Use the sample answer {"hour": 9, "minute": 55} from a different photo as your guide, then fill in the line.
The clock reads {"hour": 3, "minute": 54}
